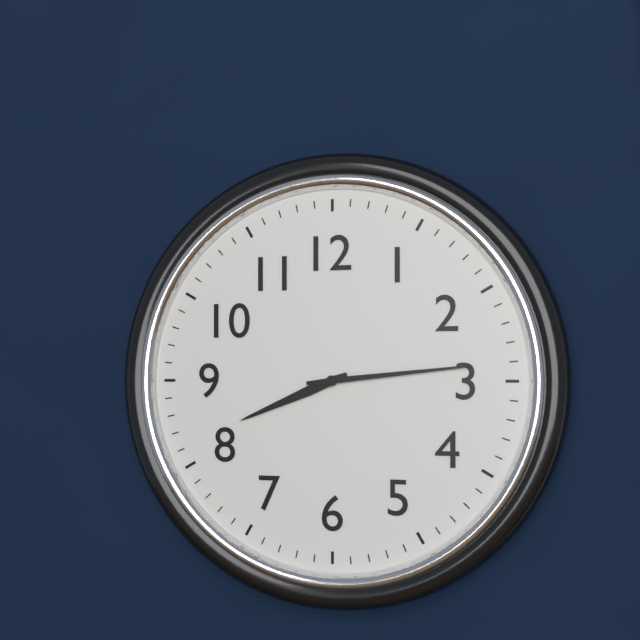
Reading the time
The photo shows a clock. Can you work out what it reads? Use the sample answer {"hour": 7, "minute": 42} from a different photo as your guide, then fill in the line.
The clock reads {"hour": 8, "minute": 14}
